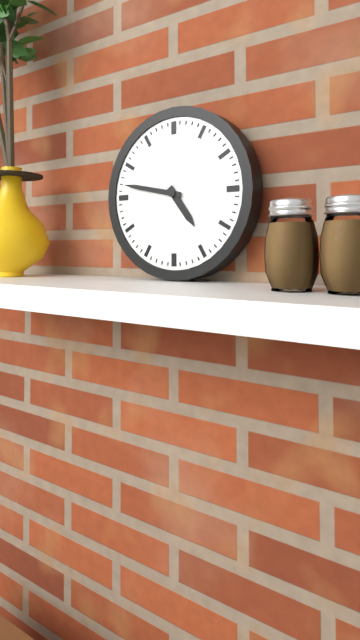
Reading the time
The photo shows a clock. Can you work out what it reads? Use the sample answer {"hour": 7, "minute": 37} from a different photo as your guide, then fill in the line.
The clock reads {"hour": 4, "minute": 47}
